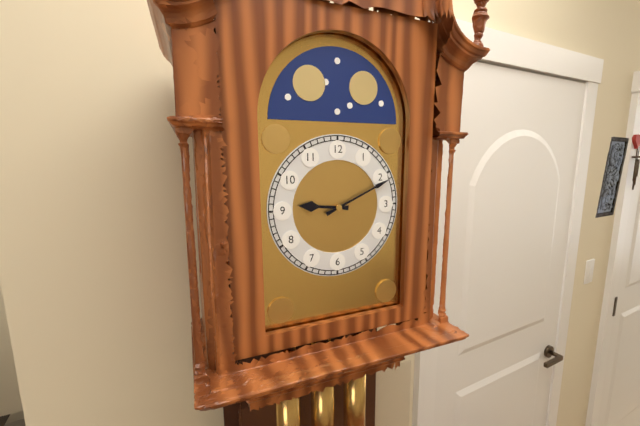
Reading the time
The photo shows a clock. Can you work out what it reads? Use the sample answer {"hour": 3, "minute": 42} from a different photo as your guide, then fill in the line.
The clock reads {"hour": 9, "minute": 11}
